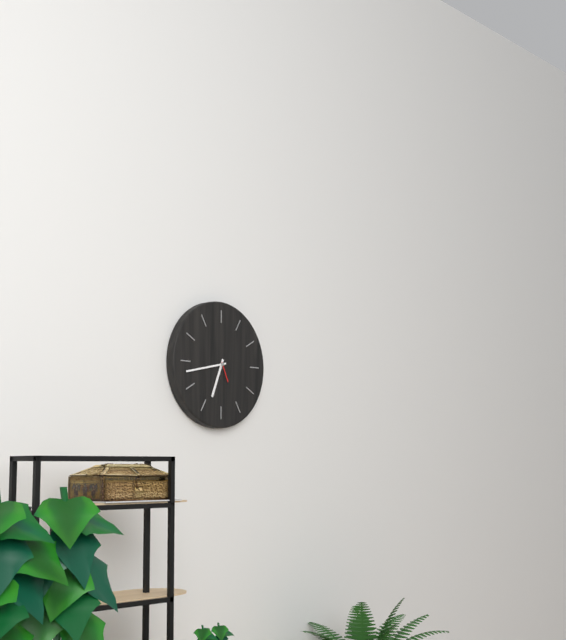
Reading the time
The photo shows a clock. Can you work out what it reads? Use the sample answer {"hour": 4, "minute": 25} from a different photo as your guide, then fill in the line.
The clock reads {"hour": 6, "minute": 43}
